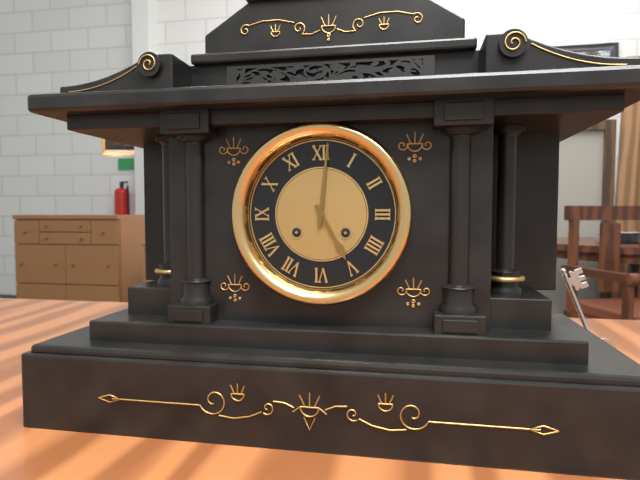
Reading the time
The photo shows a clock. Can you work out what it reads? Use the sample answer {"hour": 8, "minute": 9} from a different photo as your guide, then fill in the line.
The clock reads {"hour": 5, "minute": 1}
